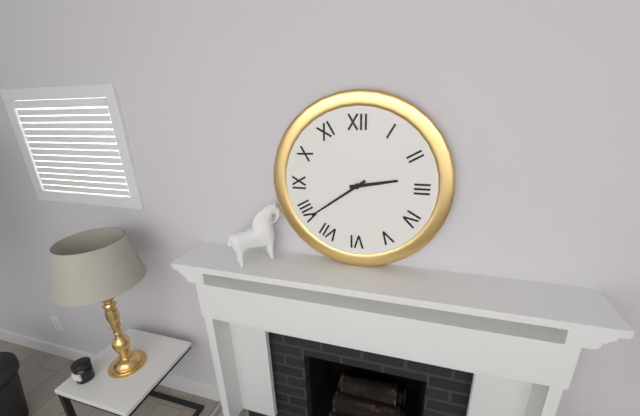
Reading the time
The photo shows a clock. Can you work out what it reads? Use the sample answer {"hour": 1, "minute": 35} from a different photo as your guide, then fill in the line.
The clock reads {"hour": 2, "minute": 39}
